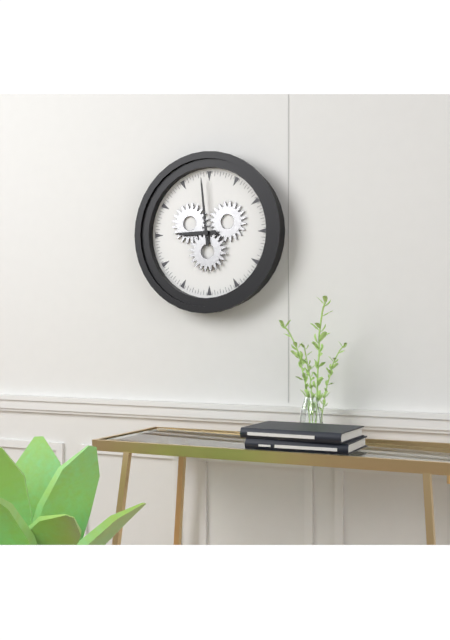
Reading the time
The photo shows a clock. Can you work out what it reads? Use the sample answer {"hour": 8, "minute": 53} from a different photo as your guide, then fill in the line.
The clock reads {"hour": 8, "minute": 59}
